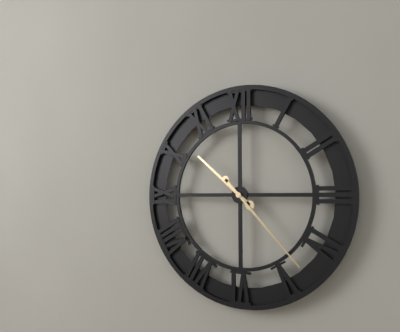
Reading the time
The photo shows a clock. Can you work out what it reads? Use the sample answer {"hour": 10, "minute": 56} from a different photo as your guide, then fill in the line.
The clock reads {"hour": 10, "minute": 23}
